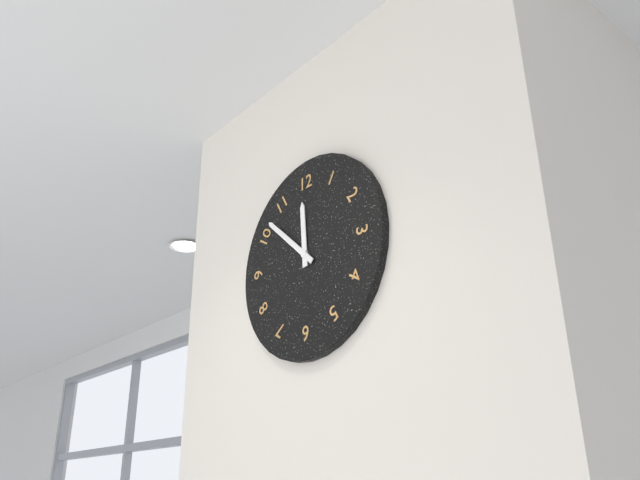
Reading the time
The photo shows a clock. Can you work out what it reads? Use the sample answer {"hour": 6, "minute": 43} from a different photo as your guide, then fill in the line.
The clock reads {"hour": 11, "minute": 52}
